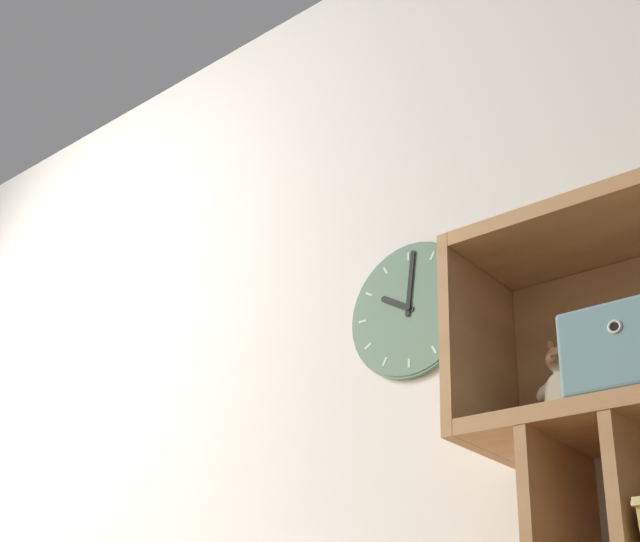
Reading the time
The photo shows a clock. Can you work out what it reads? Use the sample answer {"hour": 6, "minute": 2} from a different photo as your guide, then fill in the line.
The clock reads {"hour": 10, "minute": 1}
